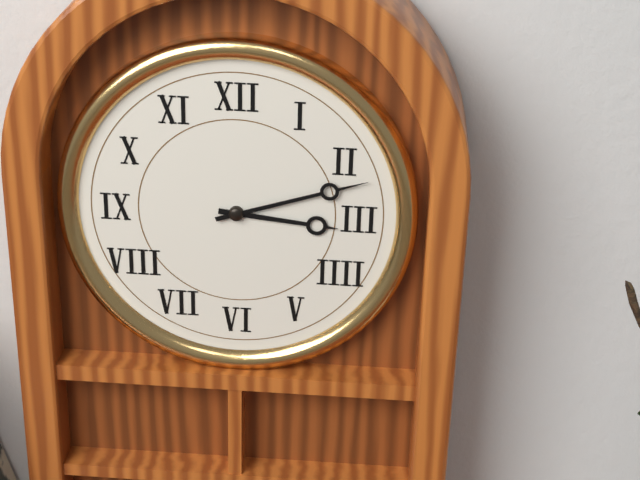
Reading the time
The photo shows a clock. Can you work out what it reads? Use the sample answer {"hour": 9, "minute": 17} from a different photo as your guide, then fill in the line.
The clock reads {"hour": 3, "minute": 12}
